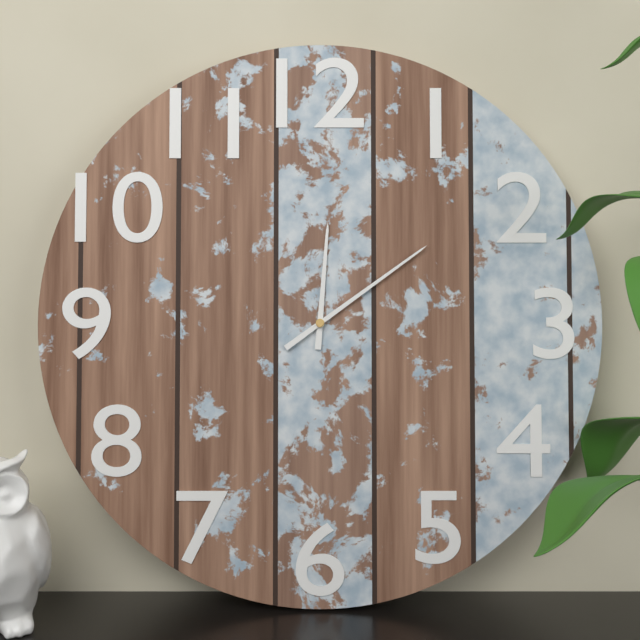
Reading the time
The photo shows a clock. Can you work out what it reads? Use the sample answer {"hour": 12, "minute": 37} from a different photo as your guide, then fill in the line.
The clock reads {"hour": 12, "minute": 9}
